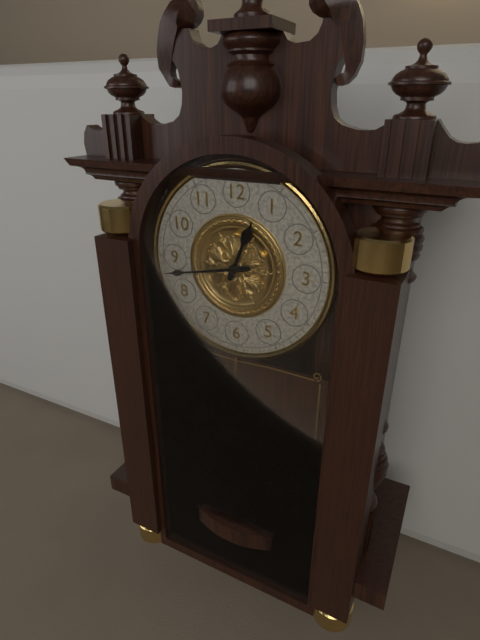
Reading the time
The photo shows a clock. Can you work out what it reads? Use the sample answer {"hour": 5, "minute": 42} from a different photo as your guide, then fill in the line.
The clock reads {"hour": 12, "minute": 43}
